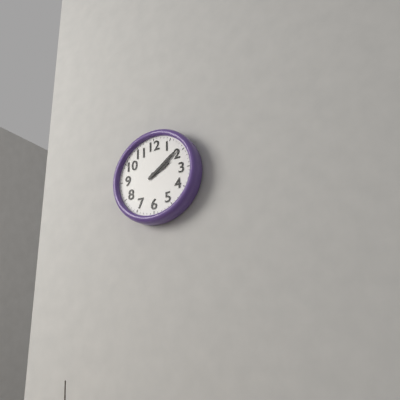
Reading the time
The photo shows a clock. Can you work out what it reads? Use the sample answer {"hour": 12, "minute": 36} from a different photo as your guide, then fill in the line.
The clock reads {"hour": 2, "minute": 9}
